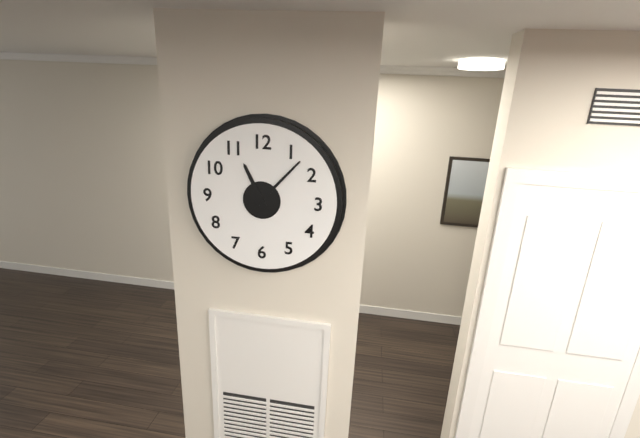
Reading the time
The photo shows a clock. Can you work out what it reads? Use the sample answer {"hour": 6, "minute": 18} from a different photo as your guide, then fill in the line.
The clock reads {"hour": 11, "minute": 7}
